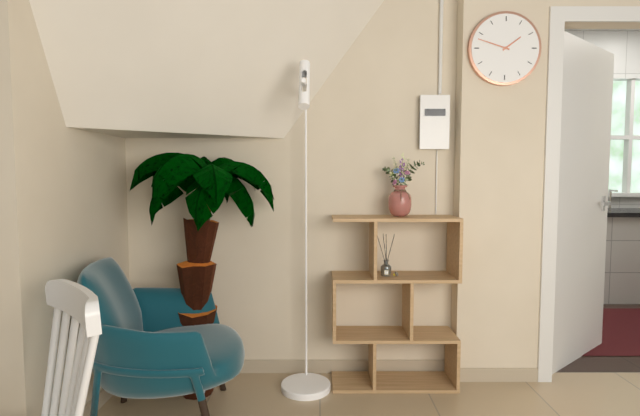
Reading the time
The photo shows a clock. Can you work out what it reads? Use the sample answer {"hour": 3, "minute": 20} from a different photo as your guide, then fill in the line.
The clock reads {"hour": 1, "minute": 48}
